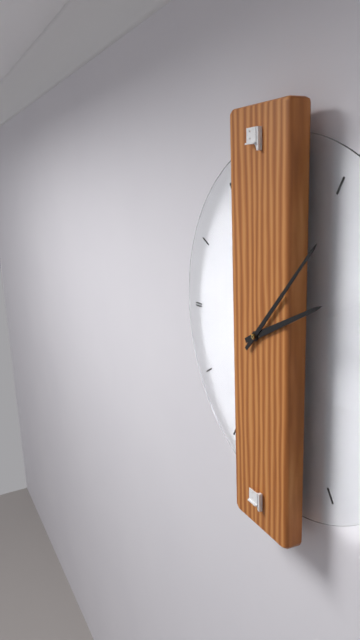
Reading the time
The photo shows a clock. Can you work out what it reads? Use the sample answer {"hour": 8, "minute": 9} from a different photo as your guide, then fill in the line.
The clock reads {"hour": 2, "minute": 7}
